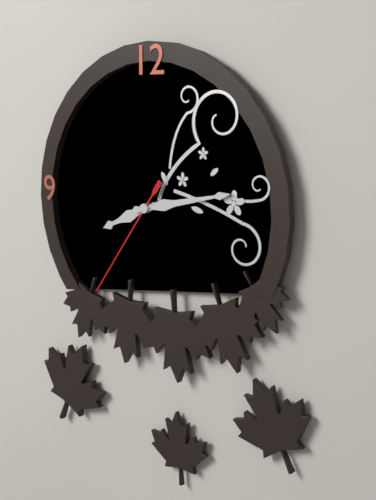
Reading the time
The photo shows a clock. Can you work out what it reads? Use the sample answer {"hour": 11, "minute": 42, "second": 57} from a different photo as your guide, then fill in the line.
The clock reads {"hour": 8, "minute": 13, "second": 36}
